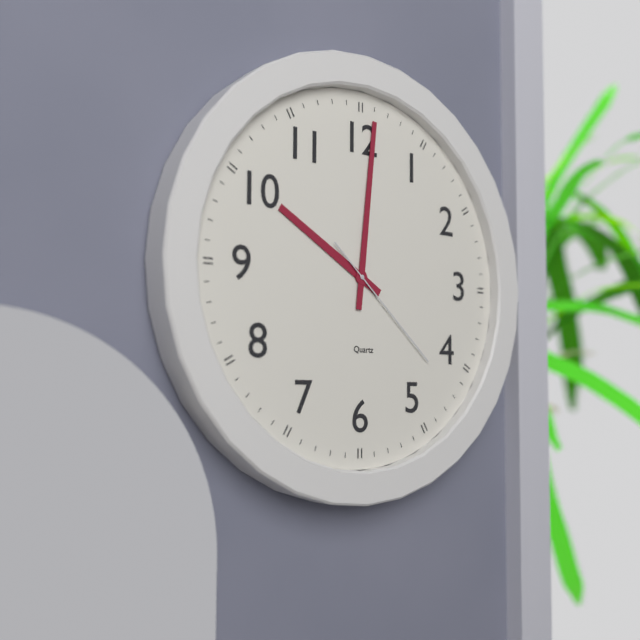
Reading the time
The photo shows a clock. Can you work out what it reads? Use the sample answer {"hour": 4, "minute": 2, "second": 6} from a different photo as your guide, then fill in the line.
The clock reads {"hour": 10, "minute": 1, "second": 22}
